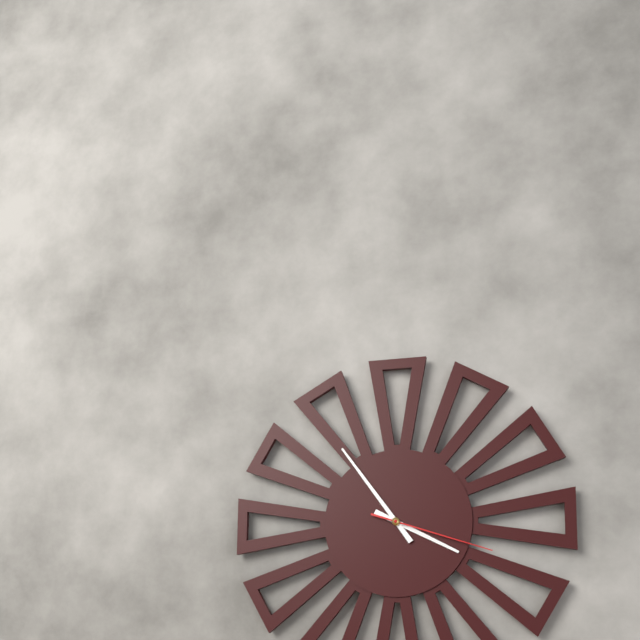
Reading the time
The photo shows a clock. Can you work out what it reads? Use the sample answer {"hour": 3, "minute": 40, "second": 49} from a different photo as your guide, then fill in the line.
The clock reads {"hour": 3, "minute": 54, "second": 18}
